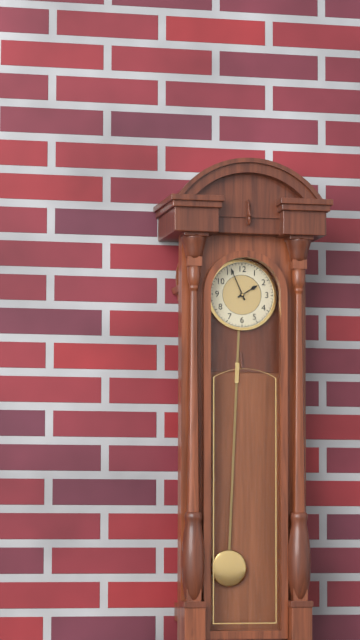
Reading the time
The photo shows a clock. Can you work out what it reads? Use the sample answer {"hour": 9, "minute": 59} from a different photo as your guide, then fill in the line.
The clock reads {"hour": 1, "minute": 56}
